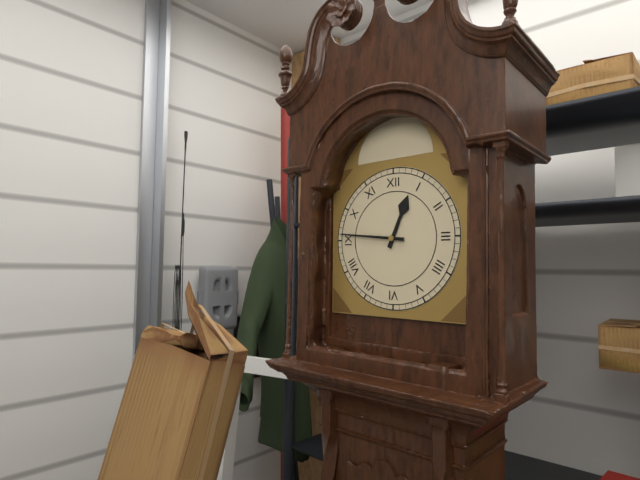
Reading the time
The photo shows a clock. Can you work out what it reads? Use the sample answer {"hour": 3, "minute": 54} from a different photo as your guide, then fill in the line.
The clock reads {"hour": 12, "minute": 46}
